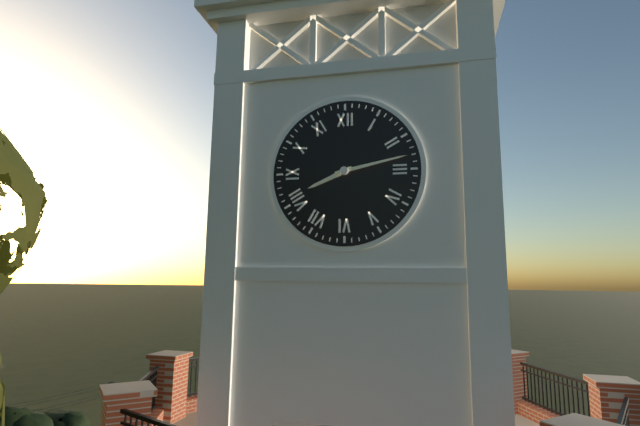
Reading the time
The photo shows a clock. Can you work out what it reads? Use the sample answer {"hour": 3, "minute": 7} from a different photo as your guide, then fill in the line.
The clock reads {"hour": 8, "minute": 13}
